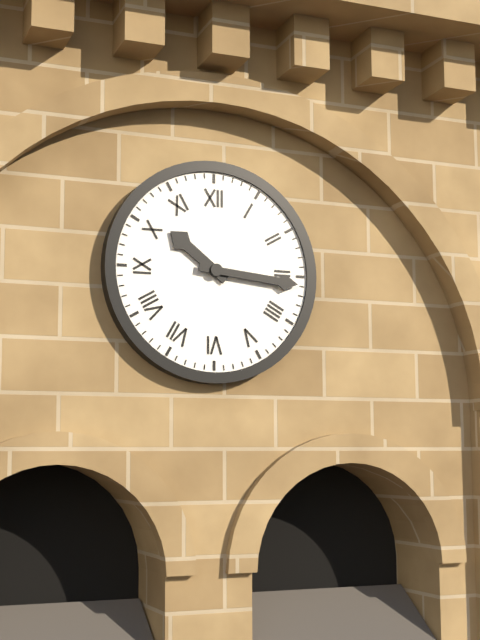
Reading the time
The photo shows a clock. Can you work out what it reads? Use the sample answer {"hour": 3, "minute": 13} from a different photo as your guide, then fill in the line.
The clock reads {"hour": 10, "minute": 16}
